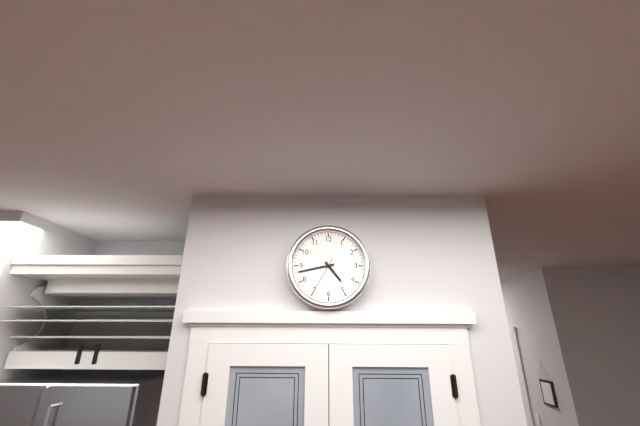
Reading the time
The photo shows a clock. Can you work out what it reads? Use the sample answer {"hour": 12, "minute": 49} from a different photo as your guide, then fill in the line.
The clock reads {"hour": 4, "minute": 43}
